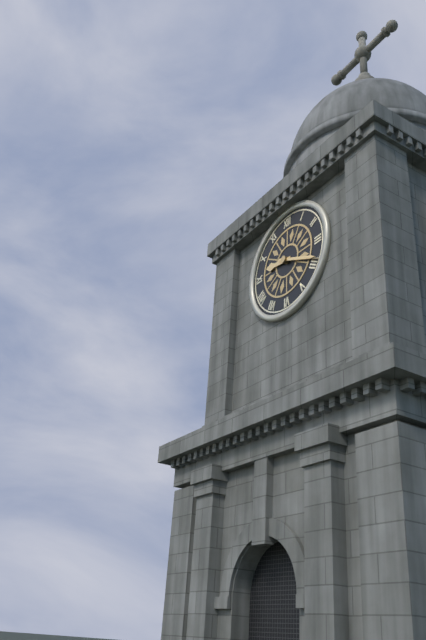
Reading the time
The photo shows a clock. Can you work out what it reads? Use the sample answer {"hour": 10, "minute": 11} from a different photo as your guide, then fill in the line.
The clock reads {"hour": 9, "minute": 19}
